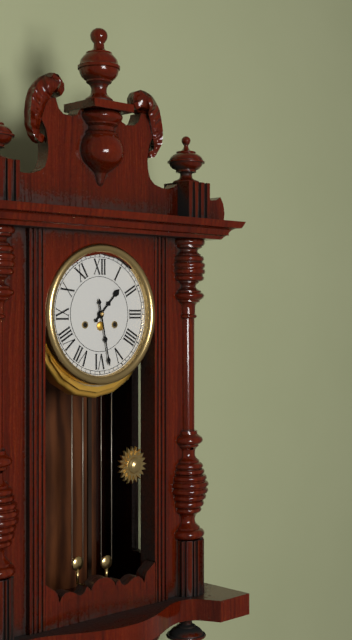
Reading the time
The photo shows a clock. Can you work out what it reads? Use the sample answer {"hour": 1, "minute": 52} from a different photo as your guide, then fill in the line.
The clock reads {"hour": 1, "minute": 28}
